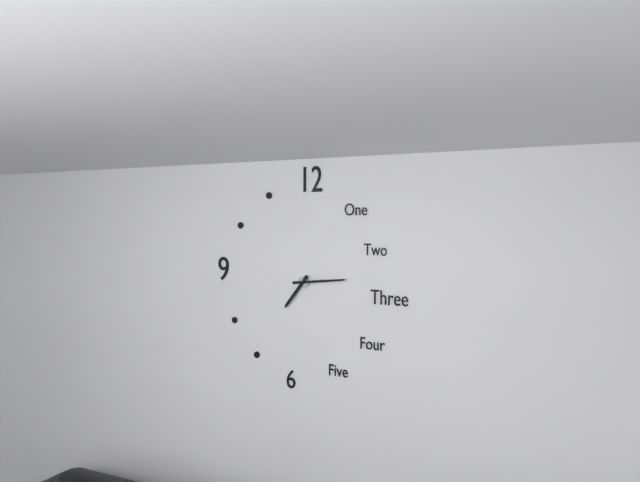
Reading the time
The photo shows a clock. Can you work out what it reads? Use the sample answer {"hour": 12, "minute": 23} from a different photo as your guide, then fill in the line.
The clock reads {"hour": 7, "minute": 14}
